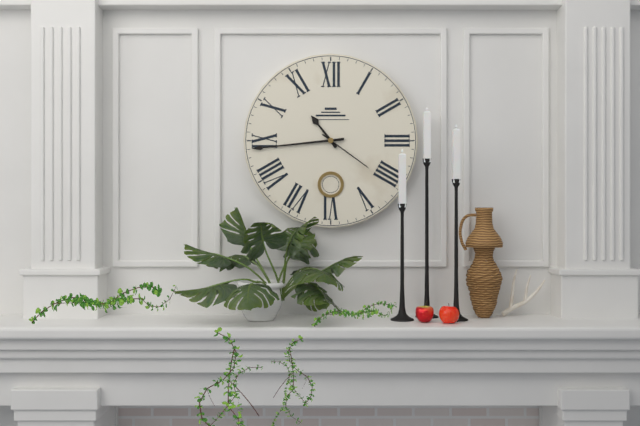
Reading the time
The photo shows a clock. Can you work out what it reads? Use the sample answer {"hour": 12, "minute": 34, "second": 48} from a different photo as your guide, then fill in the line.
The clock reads {"hour": 10, "minute": 44, "second": 21}
